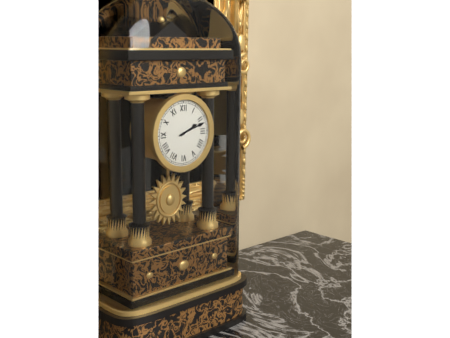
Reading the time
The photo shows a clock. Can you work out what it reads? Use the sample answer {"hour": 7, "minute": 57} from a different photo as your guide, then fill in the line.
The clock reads {"hour": 2, "minute": 12}
